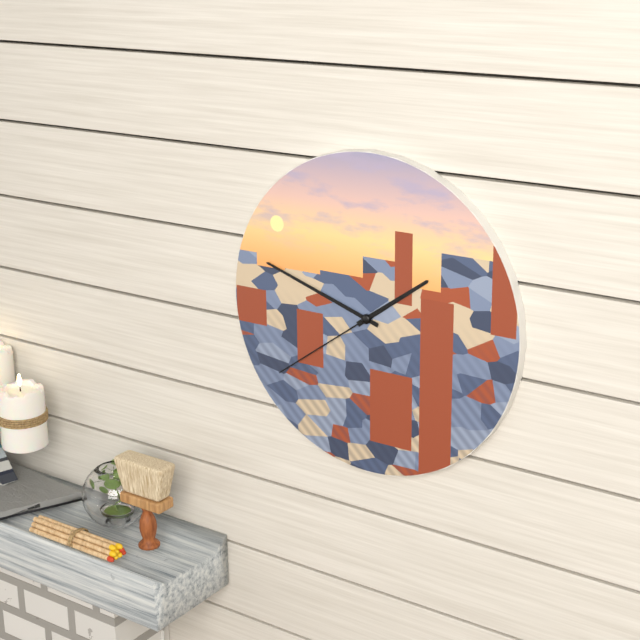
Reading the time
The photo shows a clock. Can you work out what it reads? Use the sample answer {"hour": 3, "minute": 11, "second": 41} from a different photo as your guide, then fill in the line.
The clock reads {"hour": 1, "minute": 48, "second": 39}
